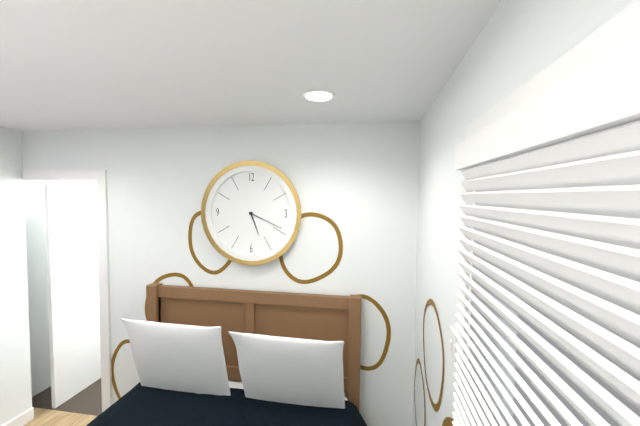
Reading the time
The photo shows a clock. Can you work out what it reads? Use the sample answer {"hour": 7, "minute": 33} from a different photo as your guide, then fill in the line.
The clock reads {"hour": 5, "minute": 19}
